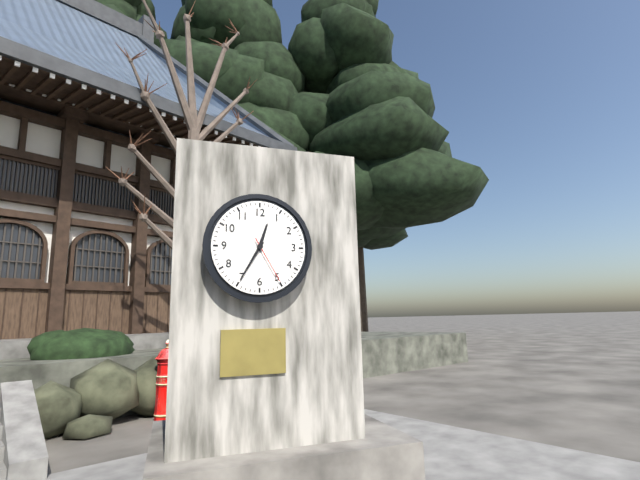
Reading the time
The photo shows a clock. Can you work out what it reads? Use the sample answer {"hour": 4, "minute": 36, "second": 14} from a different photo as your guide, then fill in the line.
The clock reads {"hour": 12, "minute": 35, "second": 25}
